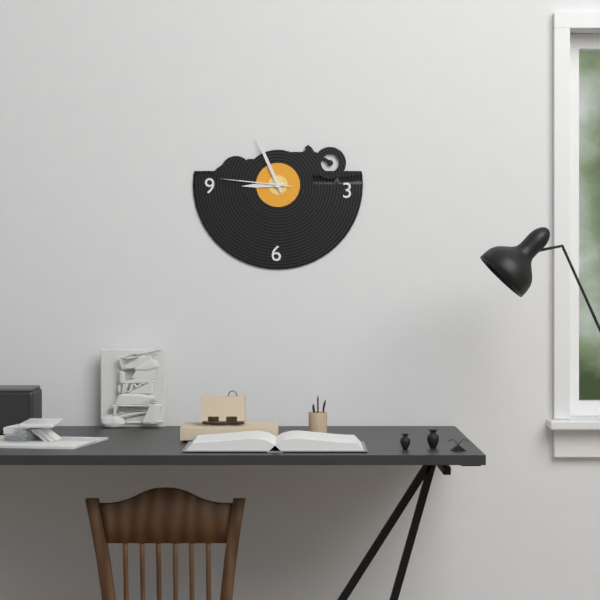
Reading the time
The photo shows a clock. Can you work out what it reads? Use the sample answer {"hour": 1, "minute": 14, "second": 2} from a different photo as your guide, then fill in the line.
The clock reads {"hour": 8, "minute": 56, "second": 46}
